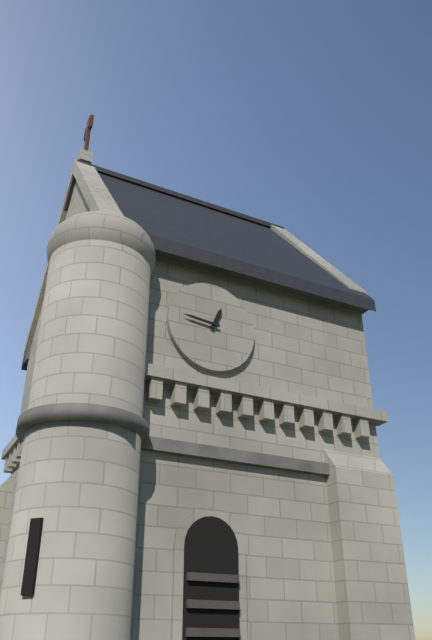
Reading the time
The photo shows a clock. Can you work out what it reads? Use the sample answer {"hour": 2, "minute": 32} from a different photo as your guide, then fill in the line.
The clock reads {"hour": 12, "minute": 46}
